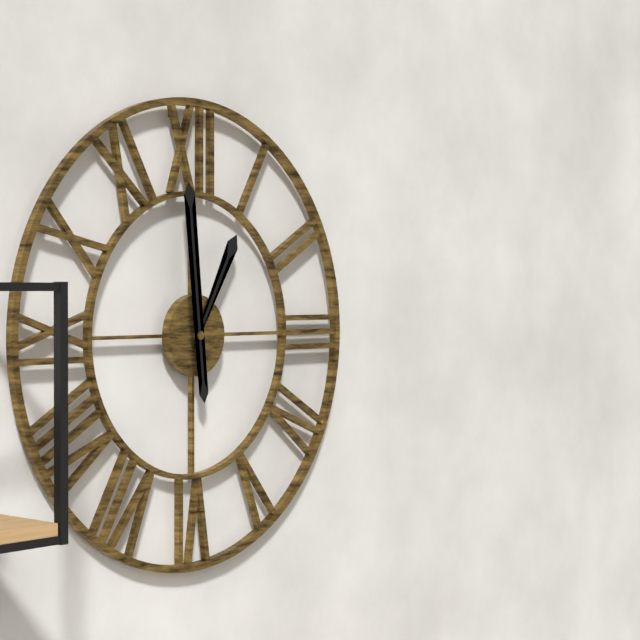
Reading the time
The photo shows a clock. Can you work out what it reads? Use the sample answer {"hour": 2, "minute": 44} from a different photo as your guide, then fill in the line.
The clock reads {"hour": 12, "minute": 59}
